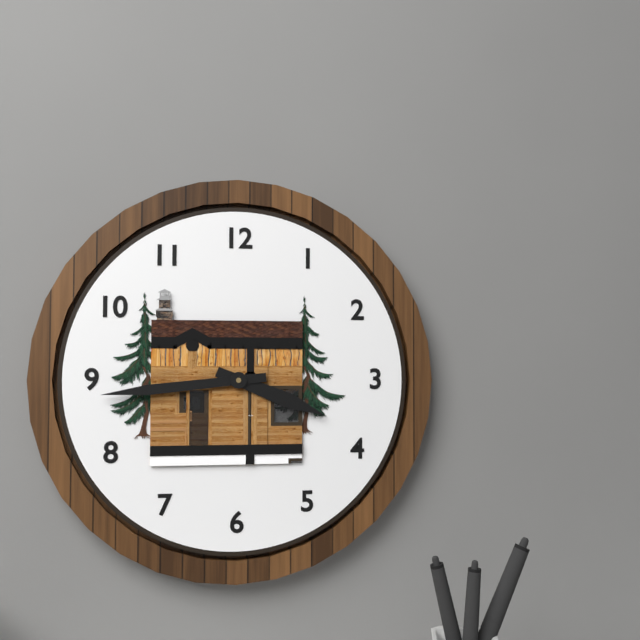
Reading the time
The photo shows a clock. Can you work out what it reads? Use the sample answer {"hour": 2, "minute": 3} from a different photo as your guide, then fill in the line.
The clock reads {"hour": 3, "minute": 44}
